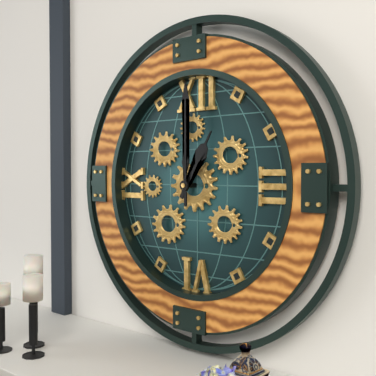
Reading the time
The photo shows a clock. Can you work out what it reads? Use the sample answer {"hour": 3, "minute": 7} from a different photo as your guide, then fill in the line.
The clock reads {"hour": 1, "minute": 0}
